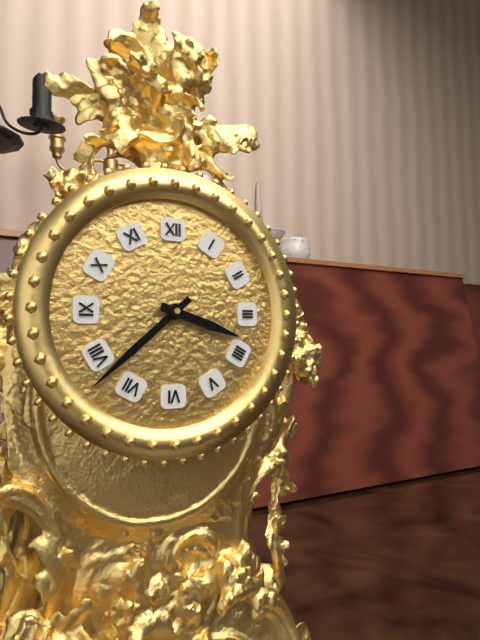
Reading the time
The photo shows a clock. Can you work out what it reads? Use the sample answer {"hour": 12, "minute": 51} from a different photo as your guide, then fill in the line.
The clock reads {"hour": 3, "minute": 38}
